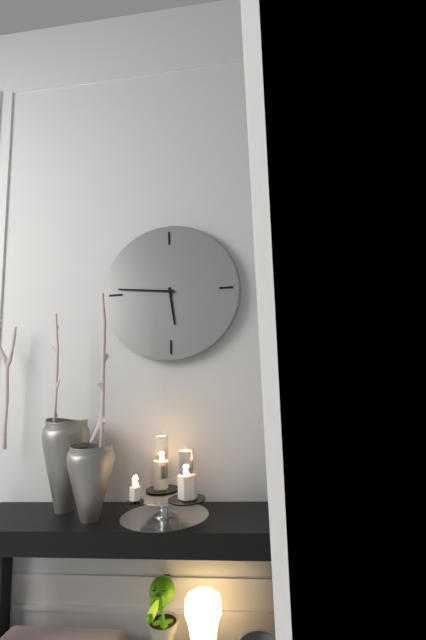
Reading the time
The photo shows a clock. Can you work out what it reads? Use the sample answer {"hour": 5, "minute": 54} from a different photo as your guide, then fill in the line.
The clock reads {"hour": 5, "minute": 46}
